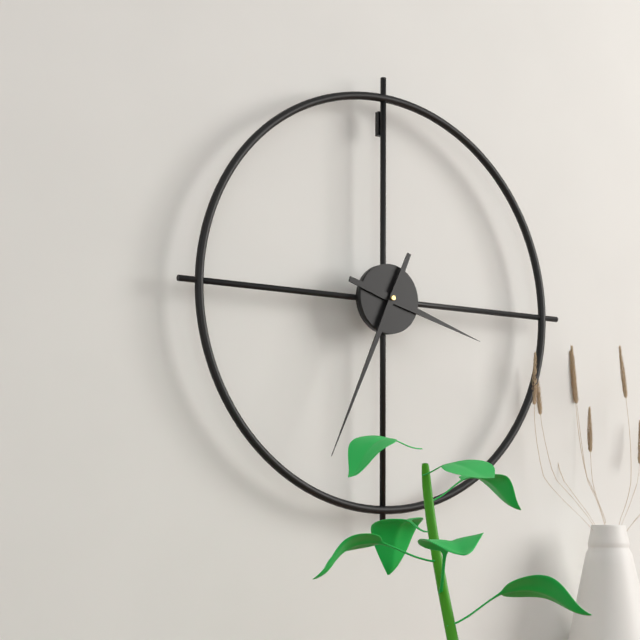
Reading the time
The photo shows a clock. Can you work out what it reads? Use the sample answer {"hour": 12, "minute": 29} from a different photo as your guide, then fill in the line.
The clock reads {"hour": 3, "minute": 34}
